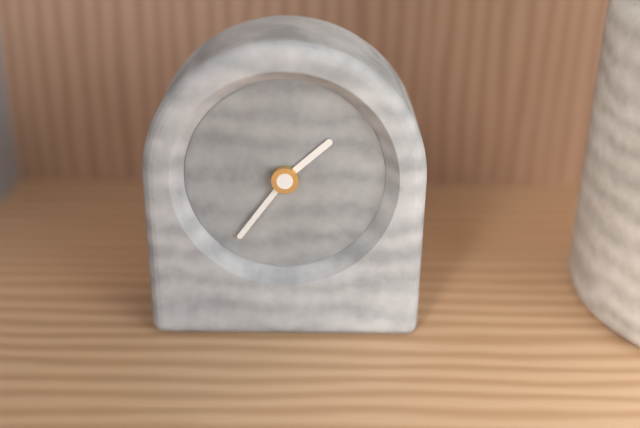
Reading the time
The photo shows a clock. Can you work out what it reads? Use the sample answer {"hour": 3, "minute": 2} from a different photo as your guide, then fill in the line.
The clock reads {"hour": 1, "minute": 36}
